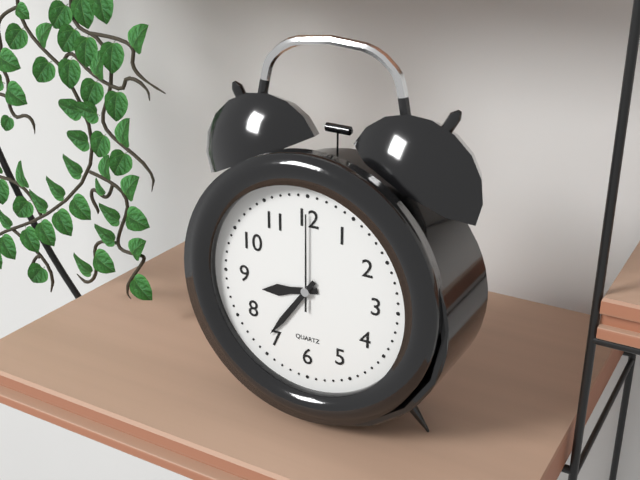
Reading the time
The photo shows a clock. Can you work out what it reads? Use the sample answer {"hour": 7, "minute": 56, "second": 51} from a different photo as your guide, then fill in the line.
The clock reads {"hour": 8, "minute": 36, "second": 0}
